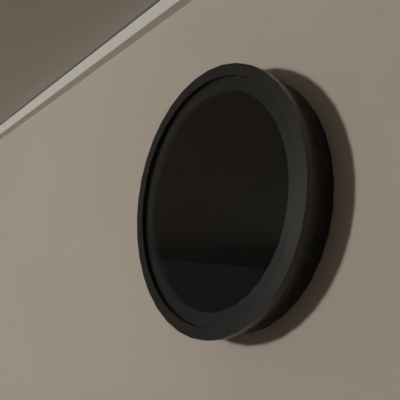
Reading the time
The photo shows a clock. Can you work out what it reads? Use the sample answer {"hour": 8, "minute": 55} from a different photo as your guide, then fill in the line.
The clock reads {"hour": 8, "minute": 41}
